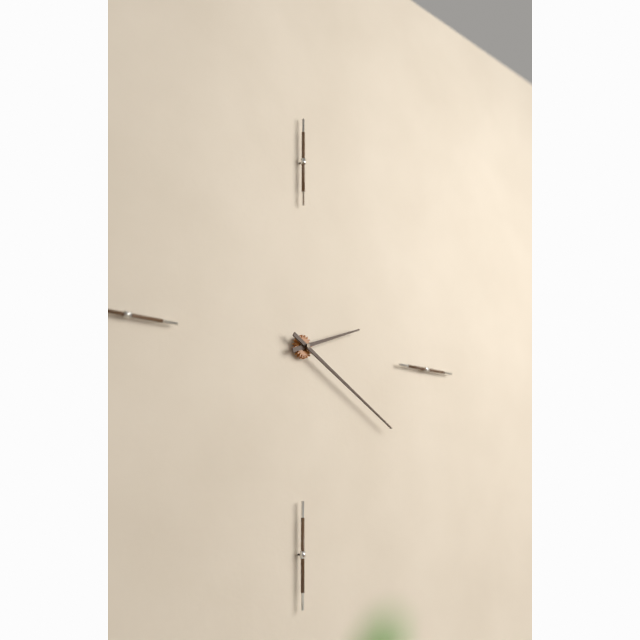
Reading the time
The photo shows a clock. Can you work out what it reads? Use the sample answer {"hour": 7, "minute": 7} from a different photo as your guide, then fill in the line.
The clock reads {"hour": 2, "minute": 20}
